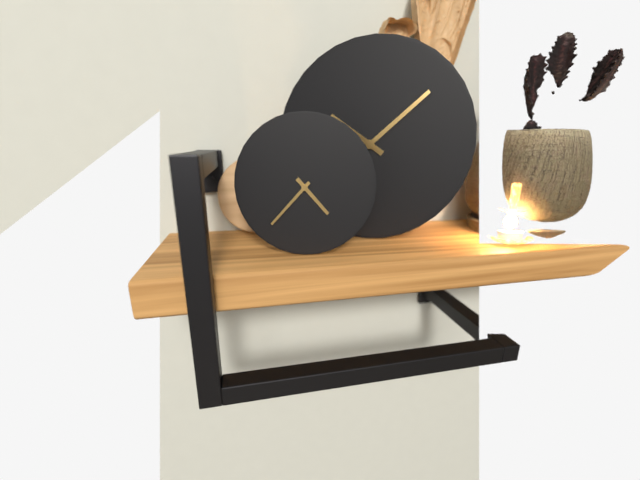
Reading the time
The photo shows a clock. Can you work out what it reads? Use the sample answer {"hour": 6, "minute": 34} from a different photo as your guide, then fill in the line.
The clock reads {"hour": 4, "minute": 37}
